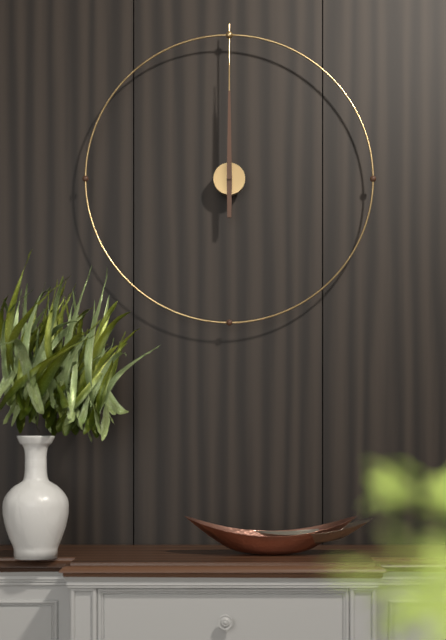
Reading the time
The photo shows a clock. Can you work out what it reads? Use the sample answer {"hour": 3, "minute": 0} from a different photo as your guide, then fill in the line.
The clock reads {"hour": 12, "minute": 0}
